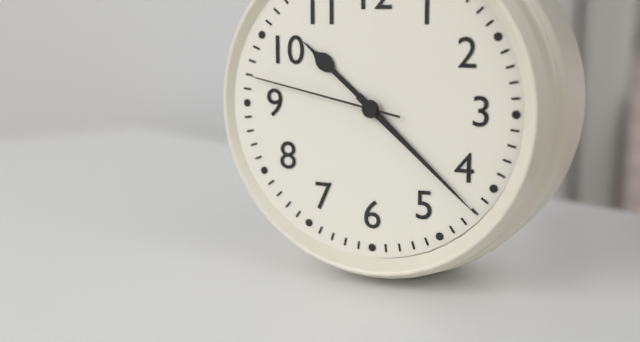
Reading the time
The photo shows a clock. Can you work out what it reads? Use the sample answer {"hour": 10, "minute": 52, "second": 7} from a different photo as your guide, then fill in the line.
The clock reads {"hour": 10, "minute": 22, "second": 47}
